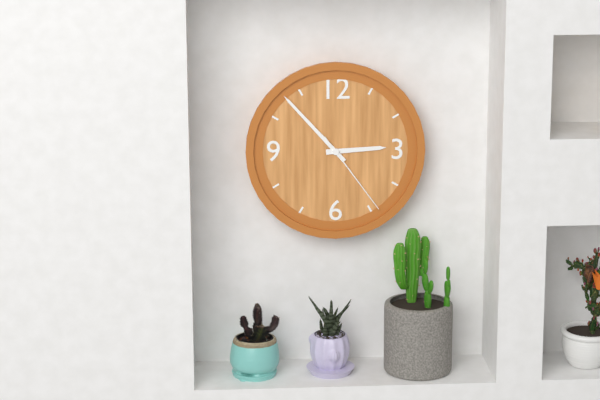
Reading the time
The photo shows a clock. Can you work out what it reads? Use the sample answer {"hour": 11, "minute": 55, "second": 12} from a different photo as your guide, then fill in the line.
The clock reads {"hour": 2, "minute": 53, "second": 24}
